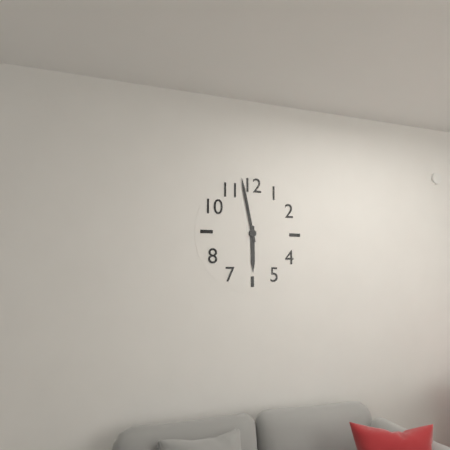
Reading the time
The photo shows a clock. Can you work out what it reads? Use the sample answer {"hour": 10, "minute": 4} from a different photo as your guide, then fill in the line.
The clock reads {"hour": 5, "minute": 58}
